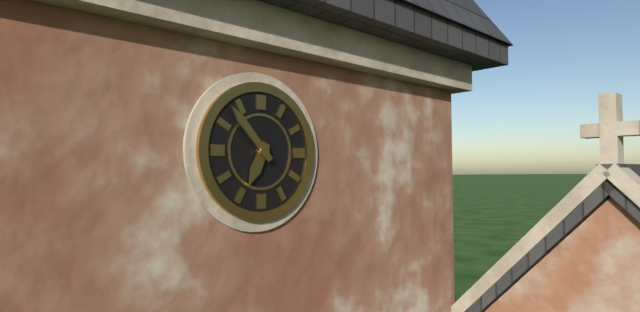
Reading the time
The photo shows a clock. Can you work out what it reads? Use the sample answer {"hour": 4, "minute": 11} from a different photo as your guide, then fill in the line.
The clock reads {"hour": 6, "minute": 53}
